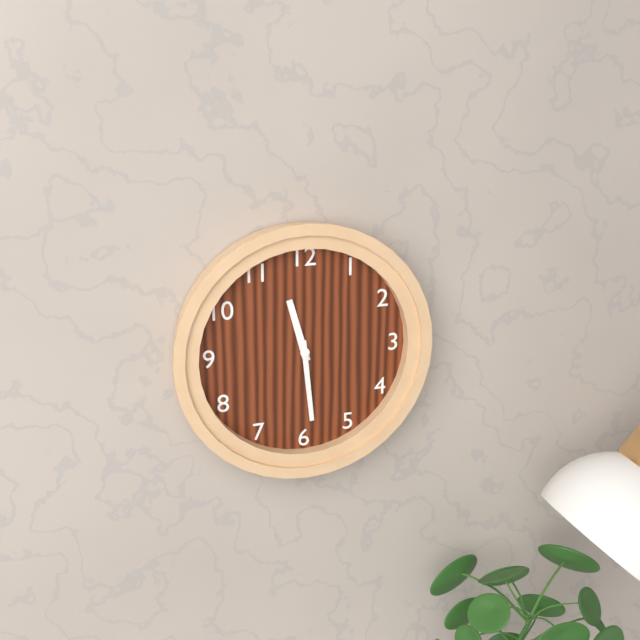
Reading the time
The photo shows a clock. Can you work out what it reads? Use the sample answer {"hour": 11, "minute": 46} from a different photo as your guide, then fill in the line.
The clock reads {"hour": 11, "minute": 29}
